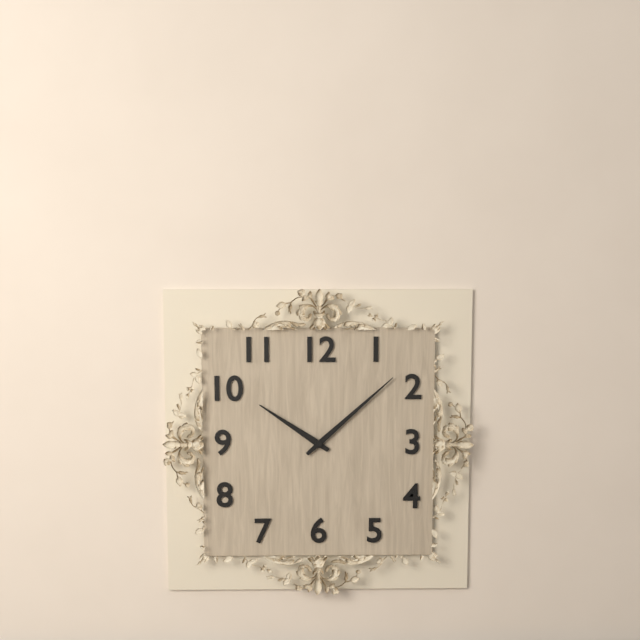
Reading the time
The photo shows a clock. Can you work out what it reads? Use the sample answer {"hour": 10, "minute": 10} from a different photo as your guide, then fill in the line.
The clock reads {"hour": 10, "minute": 8}
